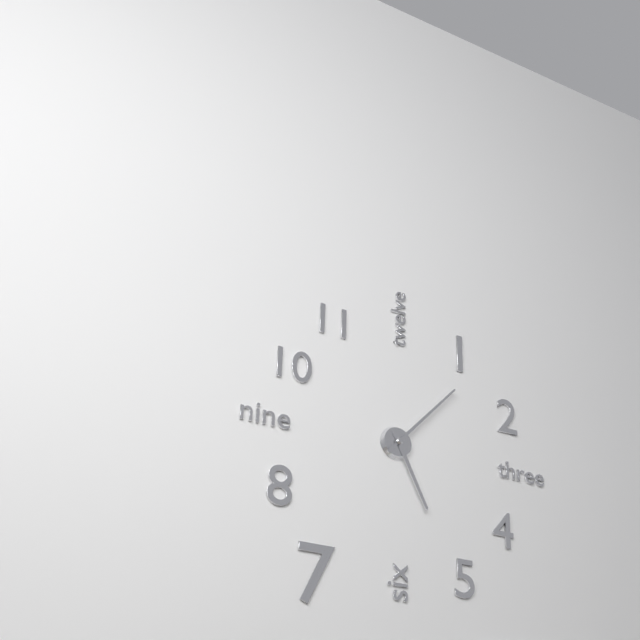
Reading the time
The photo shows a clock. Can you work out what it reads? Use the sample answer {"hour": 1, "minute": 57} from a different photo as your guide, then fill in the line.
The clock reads {"hour": 5, "minute": 7}
